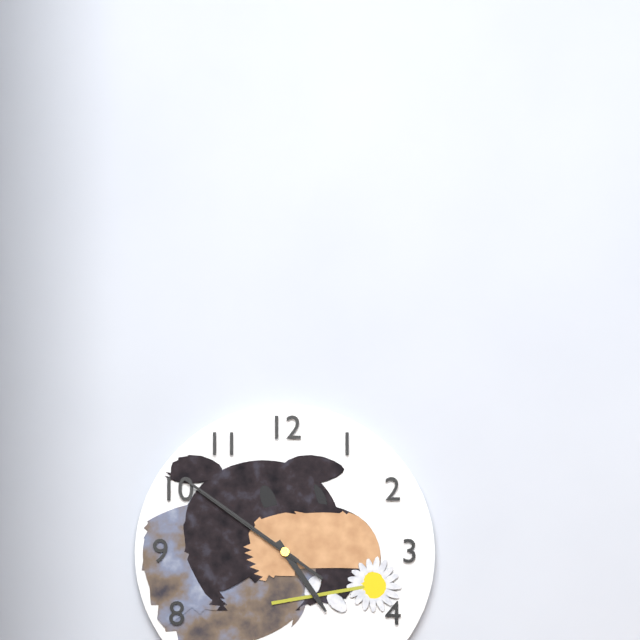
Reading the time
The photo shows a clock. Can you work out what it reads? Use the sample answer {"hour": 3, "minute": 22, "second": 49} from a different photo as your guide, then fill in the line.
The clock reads {"hour": 4, "minute": 51, "second": 51}
